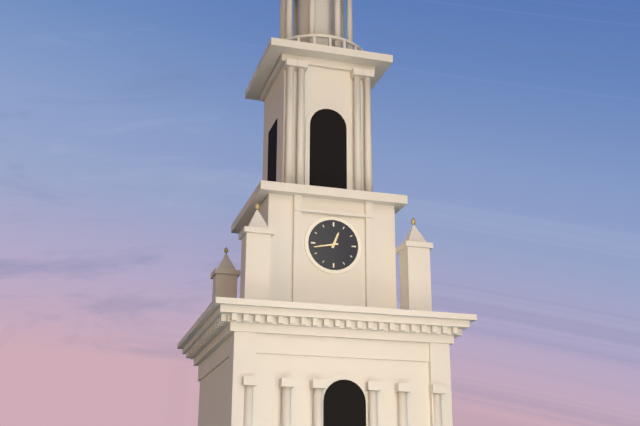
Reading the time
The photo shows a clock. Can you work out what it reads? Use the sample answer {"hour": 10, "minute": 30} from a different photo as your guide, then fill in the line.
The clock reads {"hour": 12, "minute": 43}
